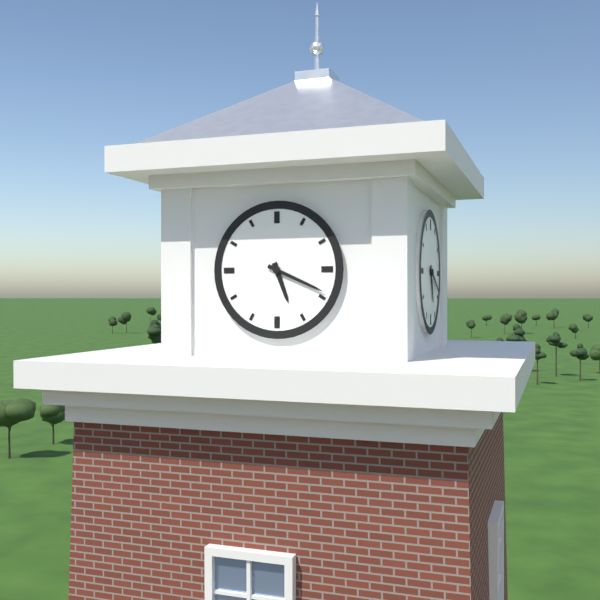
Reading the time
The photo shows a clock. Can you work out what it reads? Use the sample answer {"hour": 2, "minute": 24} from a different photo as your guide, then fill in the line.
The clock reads {"hour": 5, "minute": 19}
